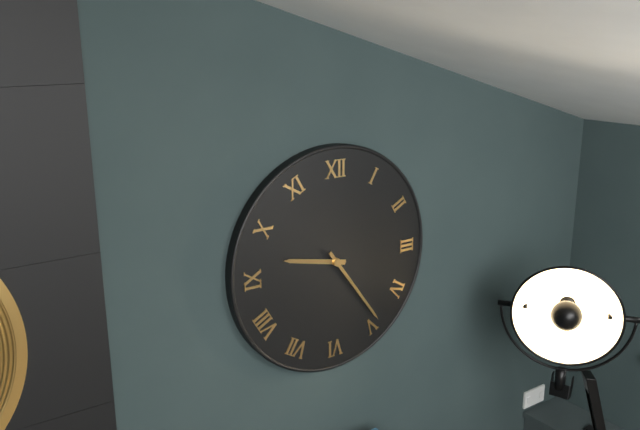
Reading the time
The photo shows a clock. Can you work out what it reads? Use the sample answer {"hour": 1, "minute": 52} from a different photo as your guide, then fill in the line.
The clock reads {"hour": 9, "minute": 24}
